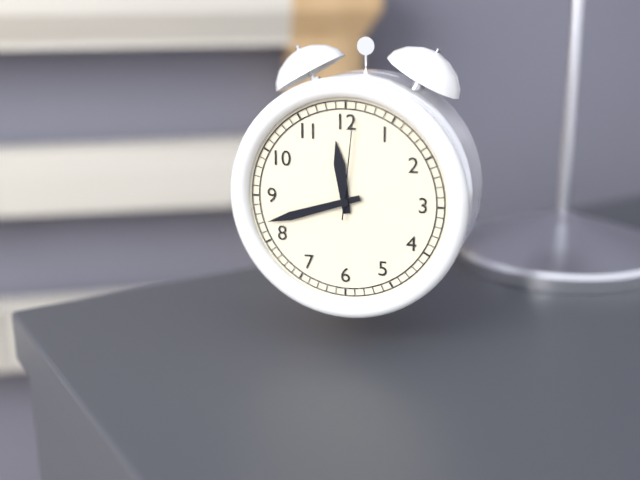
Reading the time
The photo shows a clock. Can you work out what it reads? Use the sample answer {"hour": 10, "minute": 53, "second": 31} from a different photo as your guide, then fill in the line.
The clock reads {"hour": 11, "minute": 42, "second": 1}
